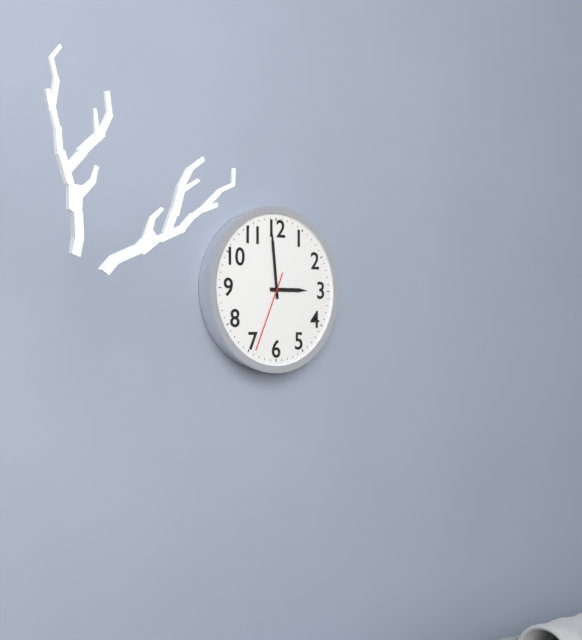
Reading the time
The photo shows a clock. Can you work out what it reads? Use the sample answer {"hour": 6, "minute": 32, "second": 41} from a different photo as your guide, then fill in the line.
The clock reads {"hour": 2, "minute": 59, "second": 34}
